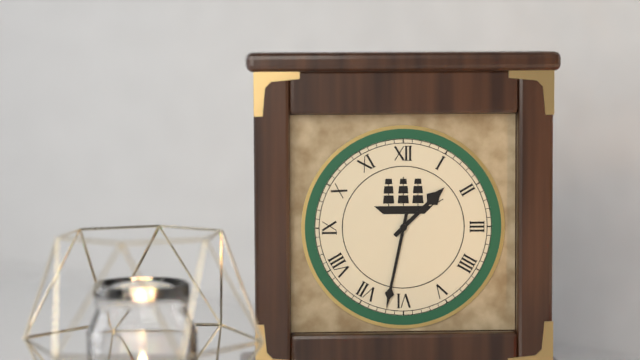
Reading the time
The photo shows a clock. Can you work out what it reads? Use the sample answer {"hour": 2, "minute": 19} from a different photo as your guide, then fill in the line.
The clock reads {"hour": 1, "minute": 32}
